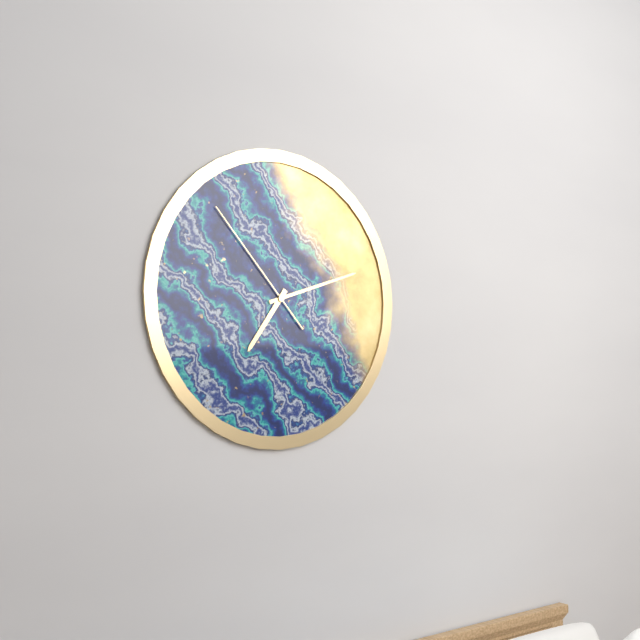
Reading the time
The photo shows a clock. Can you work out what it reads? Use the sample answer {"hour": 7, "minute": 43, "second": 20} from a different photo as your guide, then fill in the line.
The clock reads {"hour": 7, "minute": 12, "second": 53}
